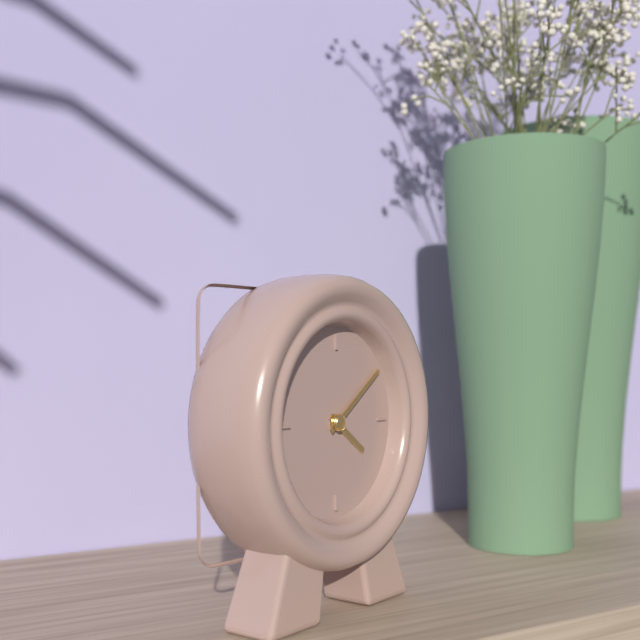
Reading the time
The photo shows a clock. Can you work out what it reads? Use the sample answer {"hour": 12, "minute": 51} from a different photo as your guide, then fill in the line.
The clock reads {"hour": 4, "minute": 9}
